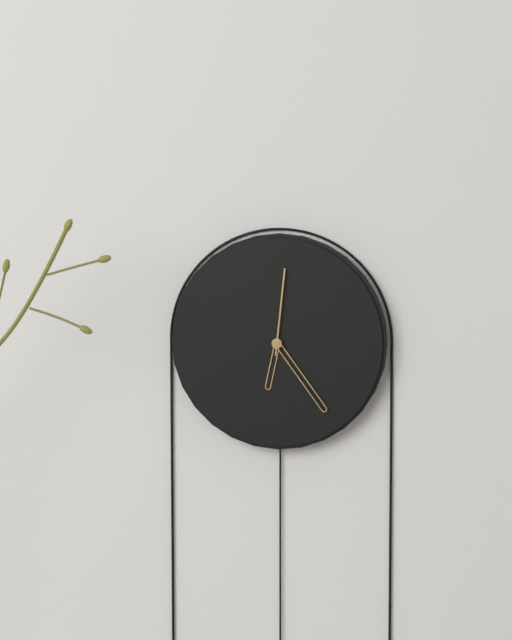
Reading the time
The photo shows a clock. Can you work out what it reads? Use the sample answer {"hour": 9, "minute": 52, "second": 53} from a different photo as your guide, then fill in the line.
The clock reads {"hour": 6, "minute": 24, "second": 1}
